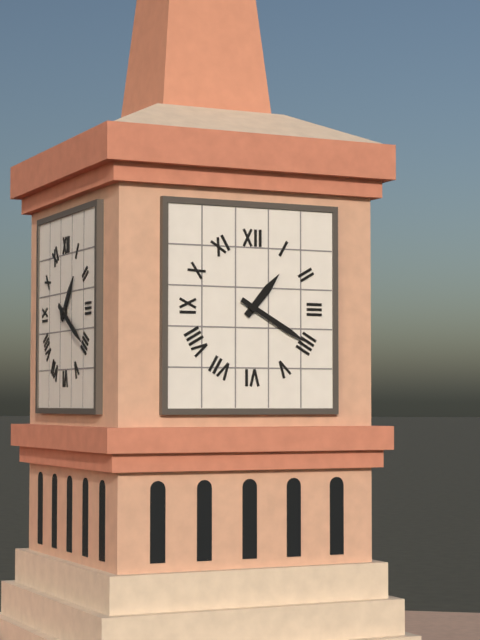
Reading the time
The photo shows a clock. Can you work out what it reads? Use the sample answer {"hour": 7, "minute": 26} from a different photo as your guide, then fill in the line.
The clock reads {"hour": 1, "minute": 20}
